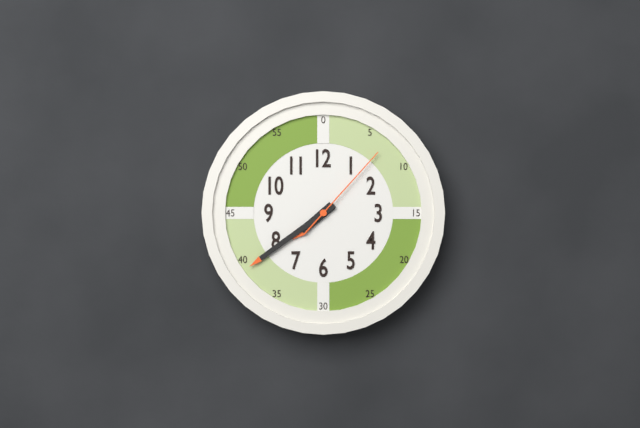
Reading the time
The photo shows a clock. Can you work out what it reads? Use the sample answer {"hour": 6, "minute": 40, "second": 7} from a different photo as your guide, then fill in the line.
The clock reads {"hour": 7, "minute": 39, "second": 7}
